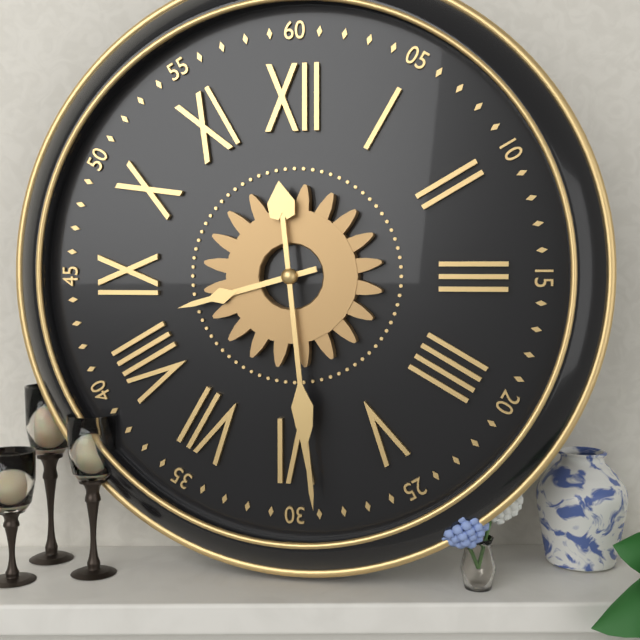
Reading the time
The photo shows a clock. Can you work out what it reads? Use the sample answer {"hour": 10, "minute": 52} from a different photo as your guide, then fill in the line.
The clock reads {"hour": 8, "minute": 29}
